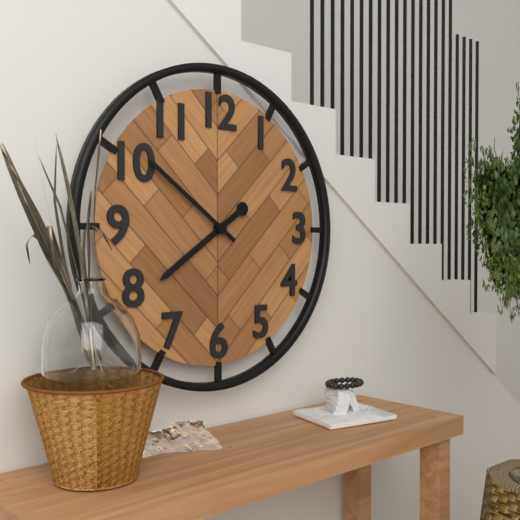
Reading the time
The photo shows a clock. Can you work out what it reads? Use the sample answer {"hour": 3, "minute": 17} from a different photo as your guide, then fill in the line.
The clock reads {"hour": 7, "minute": 51}
